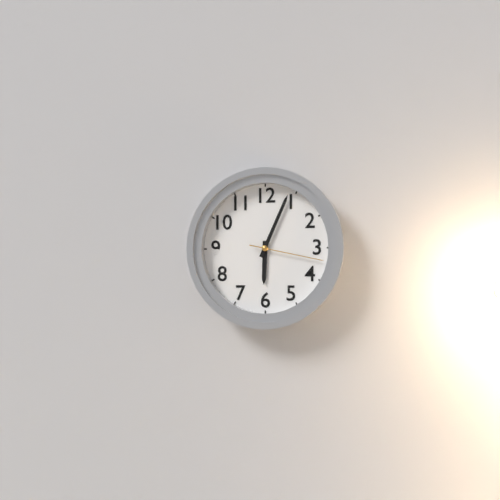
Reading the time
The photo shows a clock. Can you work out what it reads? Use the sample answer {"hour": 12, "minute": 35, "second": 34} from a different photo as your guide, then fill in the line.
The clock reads {"hour": 6, "minute": 4, "second": 17}
